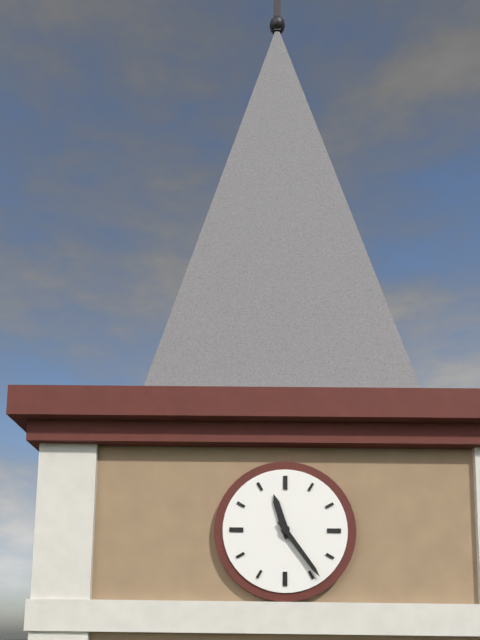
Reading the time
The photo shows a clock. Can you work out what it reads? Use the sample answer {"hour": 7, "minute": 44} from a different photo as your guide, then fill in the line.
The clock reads {"hour": 11, "minute": 24}
